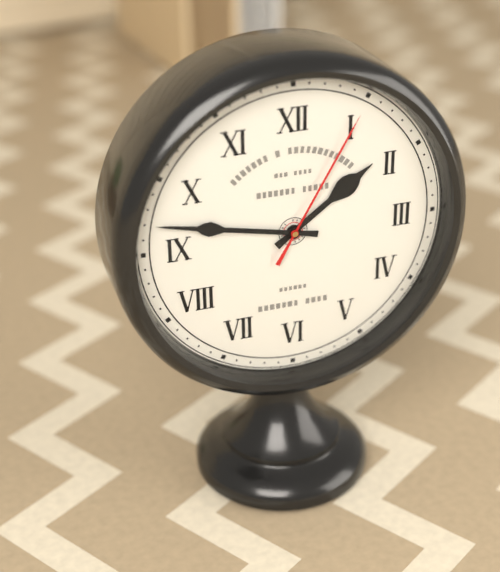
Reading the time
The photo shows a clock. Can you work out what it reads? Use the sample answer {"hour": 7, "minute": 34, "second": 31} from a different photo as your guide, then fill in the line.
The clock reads {"hour": 1, "minute": 47, "second": 5}
